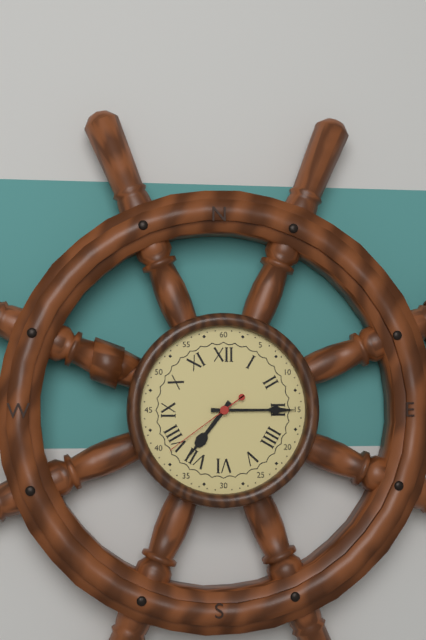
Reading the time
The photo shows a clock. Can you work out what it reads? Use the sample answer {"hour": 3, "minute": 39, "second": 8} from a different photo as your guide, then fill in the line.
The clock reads {"hour": 7, "minute": 15, "second": 39}
